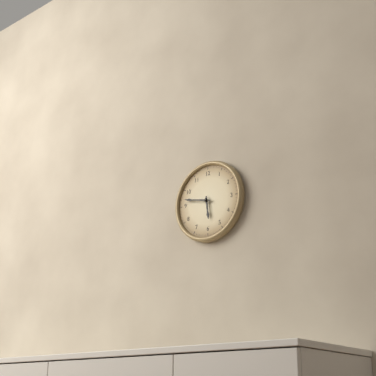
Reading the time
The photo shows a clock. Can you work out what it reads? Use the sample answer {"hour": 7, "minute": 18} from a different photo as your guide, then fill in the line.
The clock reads {"hour": 5, "minute": 47}
